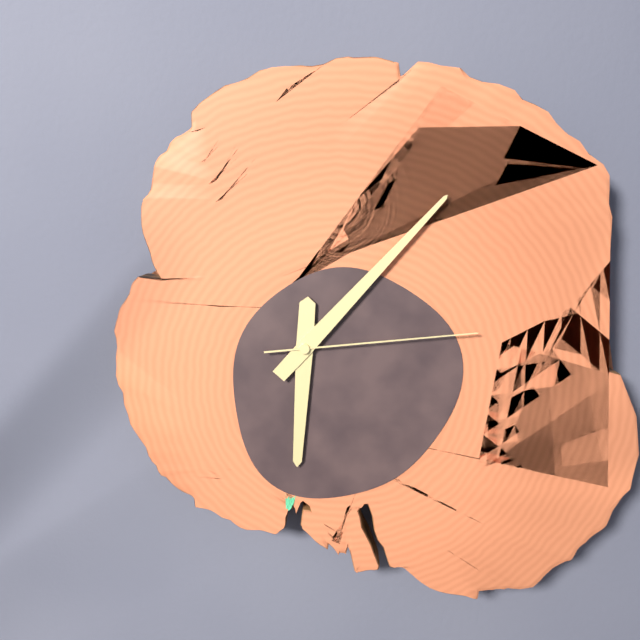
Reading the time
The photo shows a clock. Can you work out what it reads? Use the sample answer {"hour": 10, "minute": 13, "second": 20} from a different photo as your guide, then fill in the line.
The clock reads {"hour": 6, "minute": 7, "second": 14}
